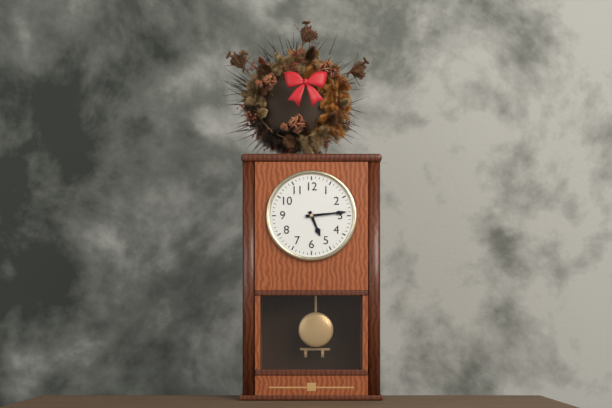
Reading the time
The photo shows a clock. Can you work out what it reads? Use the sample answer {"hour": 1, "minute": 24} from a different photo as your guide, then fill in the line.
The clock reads {"hour": 5, "minute": 14}
